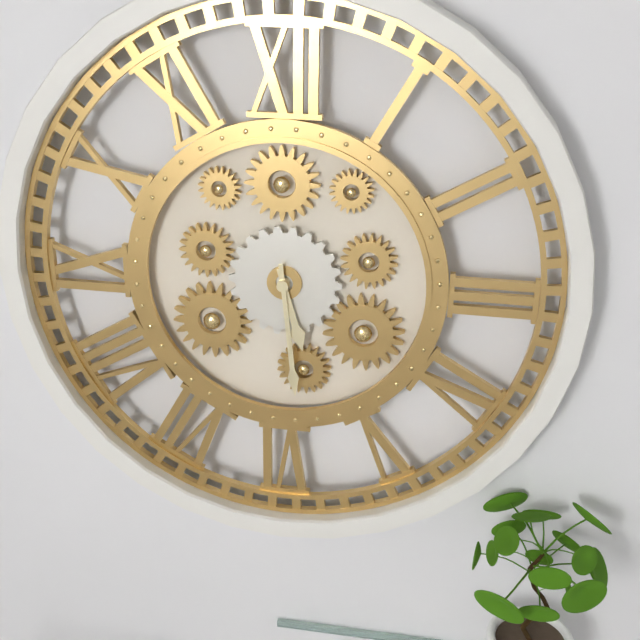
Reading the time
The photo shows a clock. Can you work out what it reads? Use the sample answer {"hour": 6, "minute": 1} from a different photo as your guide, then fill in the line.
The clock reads {"hour": 5, "minute": 29}
